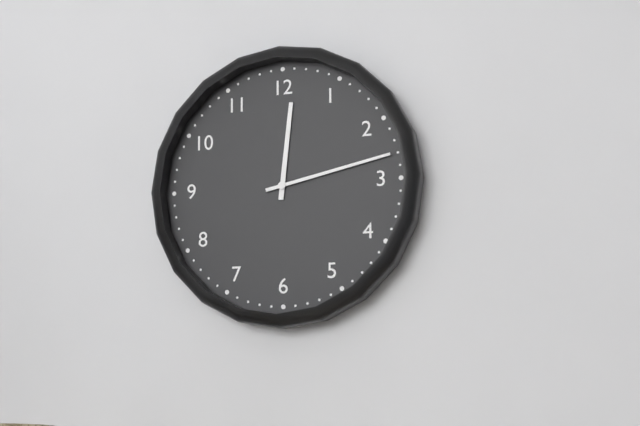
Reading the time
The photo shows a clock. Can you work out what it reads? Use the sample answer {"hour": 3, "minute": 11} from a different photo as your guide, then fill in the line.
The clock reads {"hour": 12, "minute": 13}
